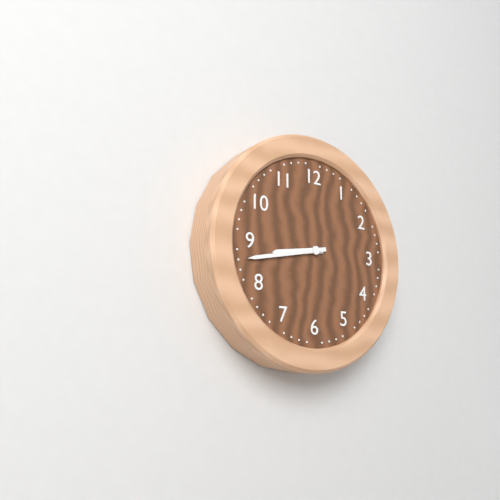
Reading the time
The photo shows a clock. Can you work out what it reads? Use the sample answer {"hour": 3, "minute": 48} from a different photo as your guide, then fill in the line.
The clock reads {"hour": 8, "minute": 43}
